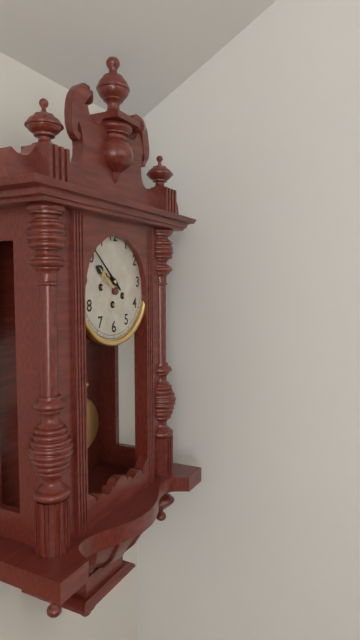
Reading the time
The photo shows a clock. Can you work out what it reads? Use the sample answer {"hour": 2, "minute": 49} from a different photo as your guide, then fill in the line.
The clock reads {"hour": 9, "minute": 52}
